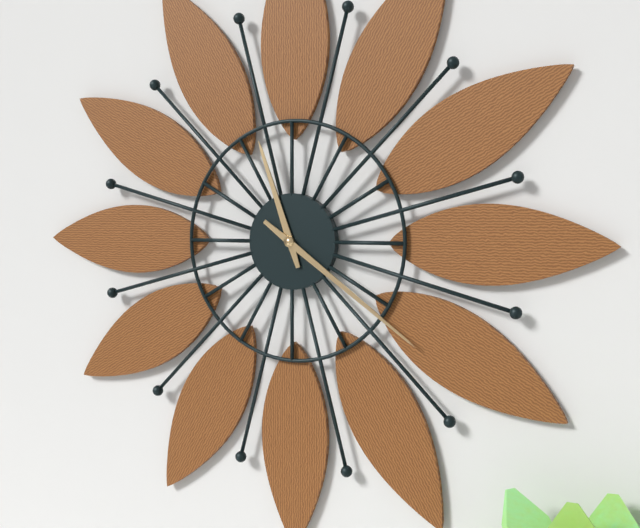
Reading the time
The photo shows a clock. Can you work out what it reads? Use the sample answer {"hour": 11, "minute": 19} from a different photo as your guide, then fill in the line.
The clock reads {"hour": 11, "minute": 21}
